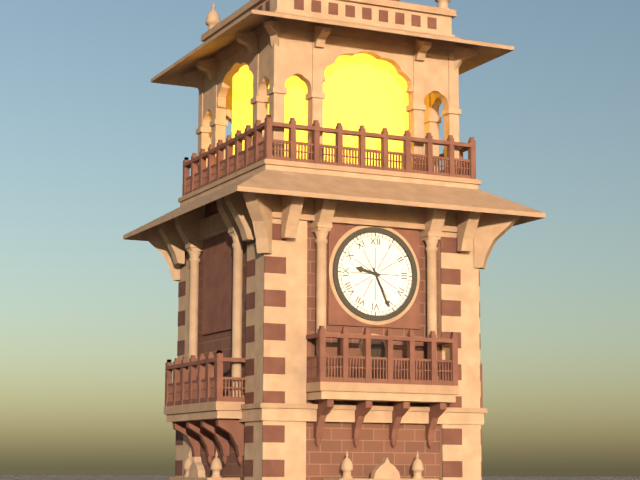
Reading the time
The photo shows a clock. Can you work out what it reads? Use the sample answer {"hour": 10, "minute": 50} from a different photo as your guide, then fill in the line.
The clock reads {"hour": 9, "minute": 26}
